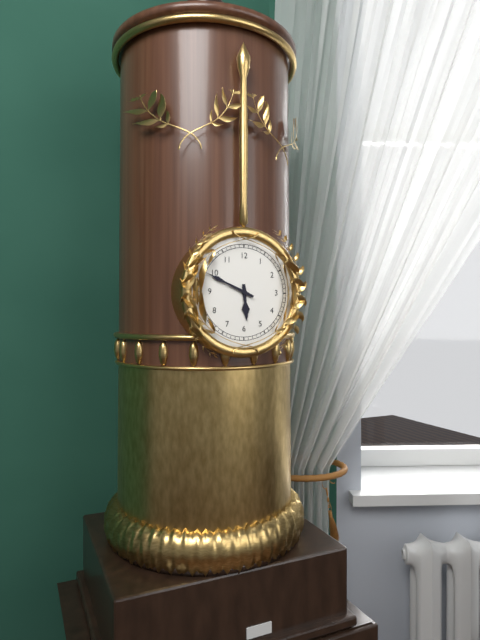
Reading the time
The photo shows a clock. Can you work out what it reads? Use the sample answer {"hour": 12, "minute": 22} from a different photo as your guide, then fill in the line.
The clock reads {"hour": 5, "minute": 49}
